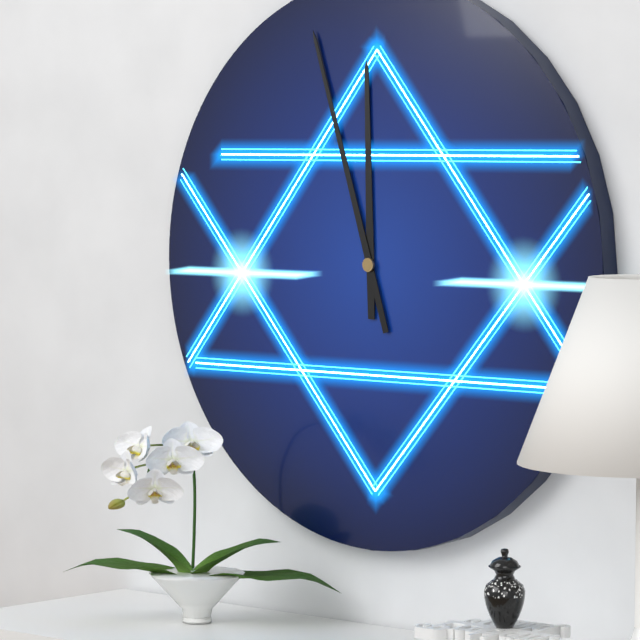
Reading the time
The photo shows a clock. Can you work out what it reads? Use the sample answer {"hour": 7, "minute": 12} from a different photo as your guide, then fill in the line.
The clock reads {"hour": 11, "minute": 57}
